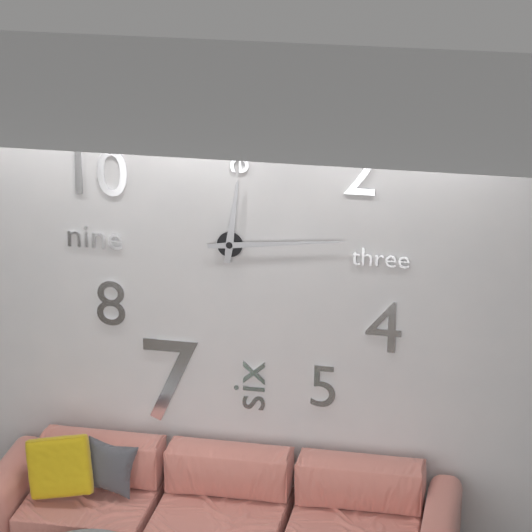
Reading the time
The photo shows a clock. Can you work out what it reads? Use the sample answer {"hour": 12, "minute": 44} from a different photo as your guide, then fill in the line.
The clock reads {"hour": 12, "minute": 14}
